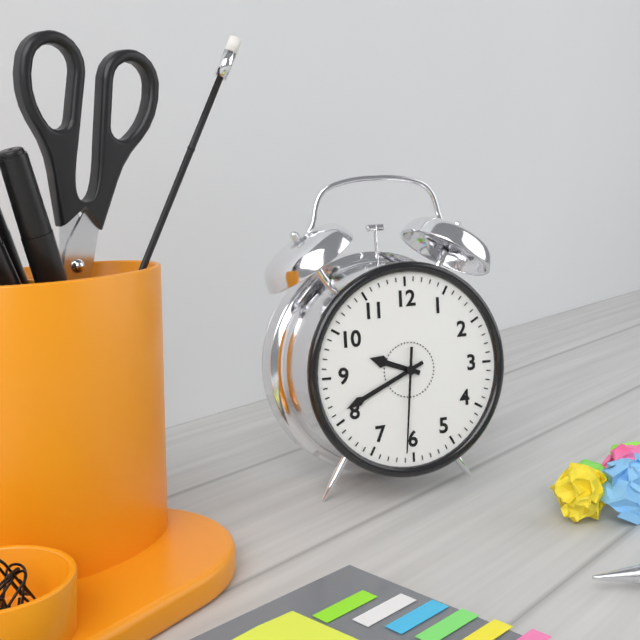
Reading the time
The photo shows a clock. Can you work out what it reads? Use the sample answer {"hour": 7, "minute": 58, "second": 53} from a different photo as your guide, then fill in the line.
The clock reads {"hour": 9, "minute": 41, "second": 31}
